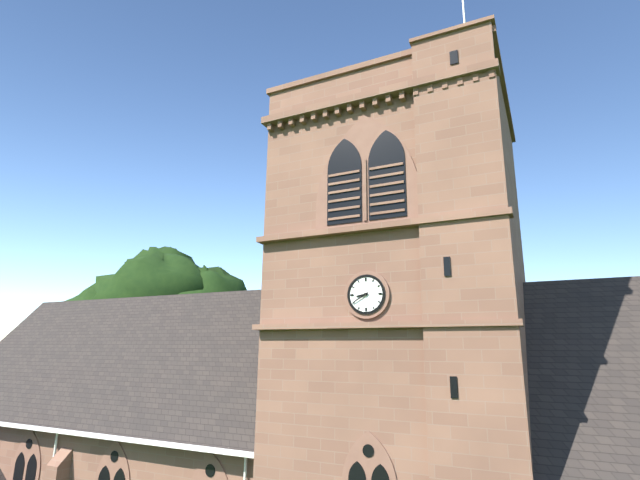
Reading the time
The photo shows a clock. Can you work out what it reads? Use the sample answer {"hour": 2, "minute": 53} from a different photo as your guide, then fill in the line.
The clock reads {"hour": 8, "minute": 40}
